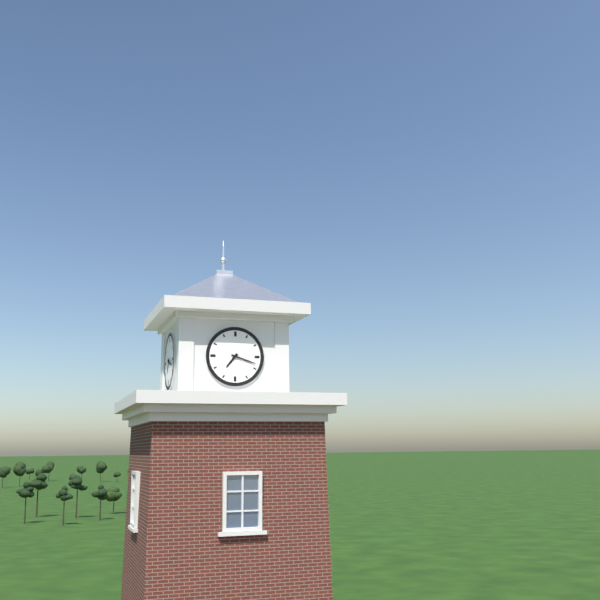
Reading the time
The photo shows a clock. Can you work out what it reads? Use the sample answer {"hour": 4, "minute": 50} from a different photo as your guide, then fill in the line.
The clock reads {"hour": 7, "minute": 18}
